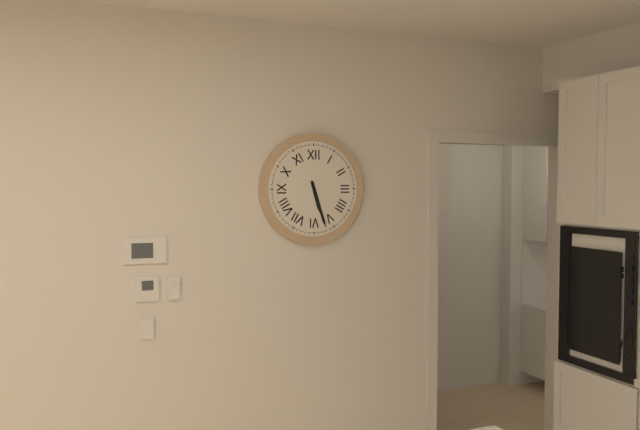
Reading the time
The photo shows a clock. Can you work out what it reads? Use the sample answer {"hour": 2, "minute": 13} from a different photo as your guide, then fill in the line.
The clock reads {"hour": 5, "minute": 27}
